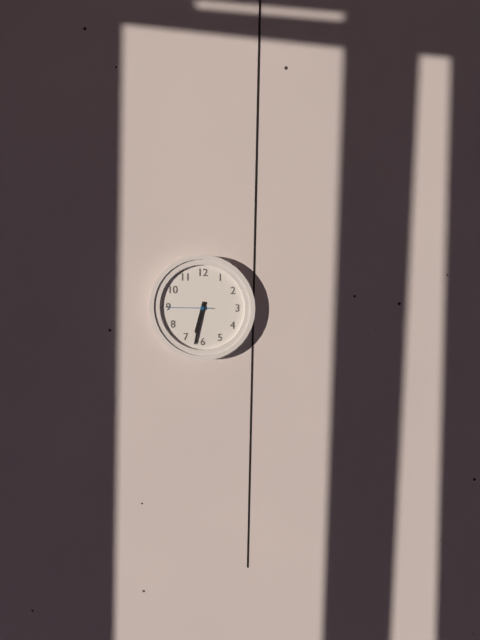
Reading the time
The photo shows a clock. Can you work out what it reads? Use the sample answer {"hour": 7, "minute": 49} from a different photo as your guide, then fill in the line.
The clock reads {"hour": 6, "minute": 32}
